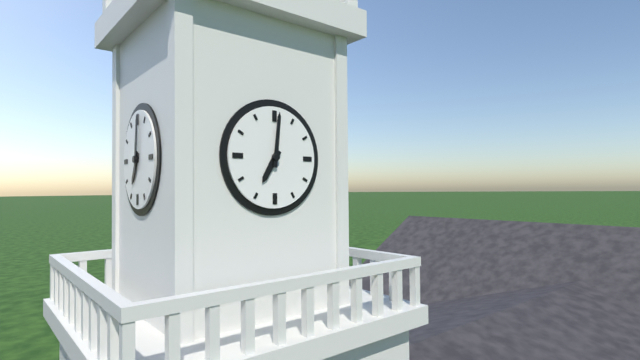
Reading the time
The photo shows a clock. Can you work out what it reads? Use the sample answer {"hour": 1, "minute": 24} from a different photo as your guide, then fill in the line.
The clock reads {"hour": 7, "minute": 1}
